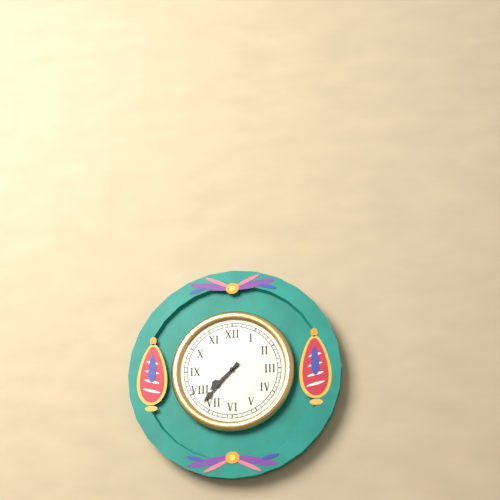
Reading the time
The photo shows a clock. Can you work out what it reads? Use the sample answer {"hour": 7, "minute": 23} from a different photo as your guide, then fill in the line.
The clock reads {"hour": 7, "minute": 37}
